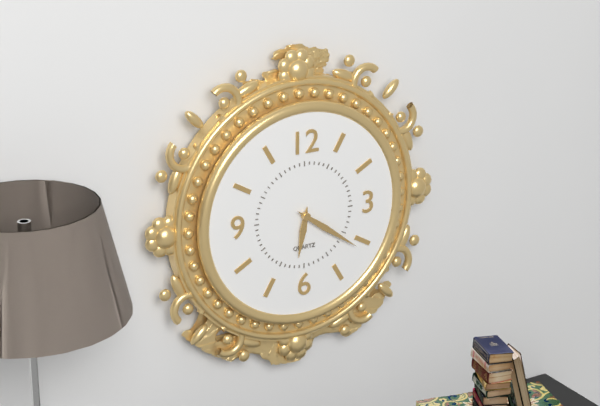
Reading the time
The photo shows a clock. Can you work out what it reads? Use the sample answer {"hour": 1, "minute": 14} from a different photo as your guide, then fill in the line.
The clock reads {"hour": 6, "minute": 21}
